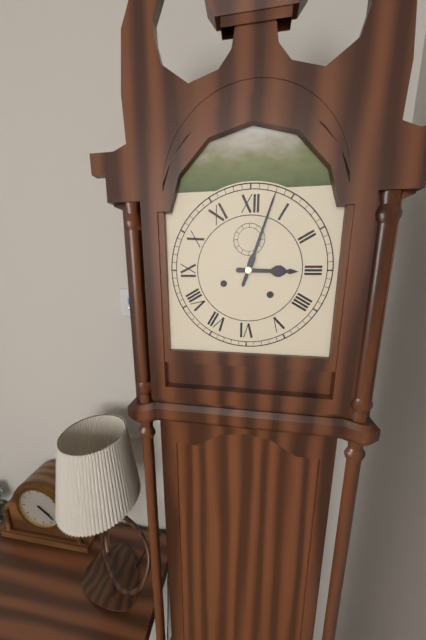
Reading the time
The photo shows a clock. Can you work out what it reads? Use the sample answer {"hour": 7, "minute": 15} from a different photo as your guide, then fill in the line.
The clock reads {"hour": 3, "minute": 3}
